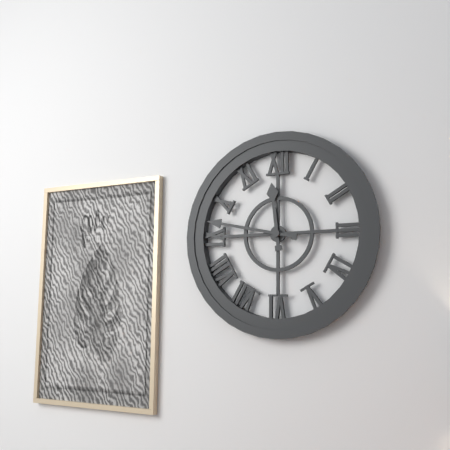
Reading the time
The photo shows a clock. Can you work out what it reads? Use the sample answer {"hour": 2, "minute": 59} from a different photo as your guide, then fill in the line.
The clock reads {"hour": 11, "minute": 47}
